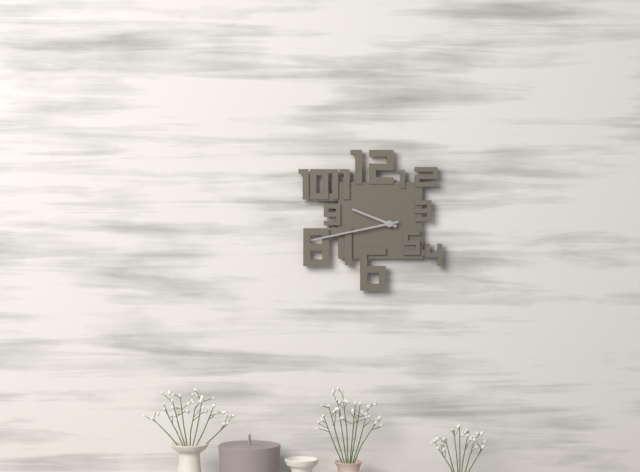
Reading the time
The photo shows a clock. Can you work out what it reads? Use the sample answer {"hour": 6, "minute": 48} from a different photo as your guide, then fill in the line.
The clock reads {"hour": 9, "minute": 43}
